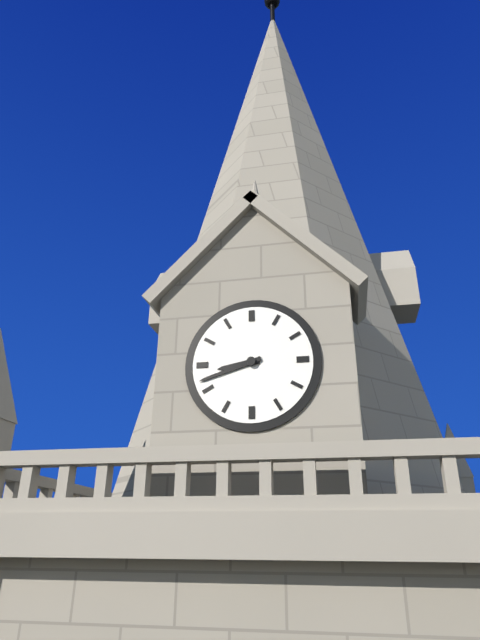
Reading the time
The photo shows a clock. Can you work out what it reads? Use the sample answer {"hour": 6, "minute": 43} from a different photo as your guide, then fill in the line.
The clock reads {"hour": 8, "minute": 42}
